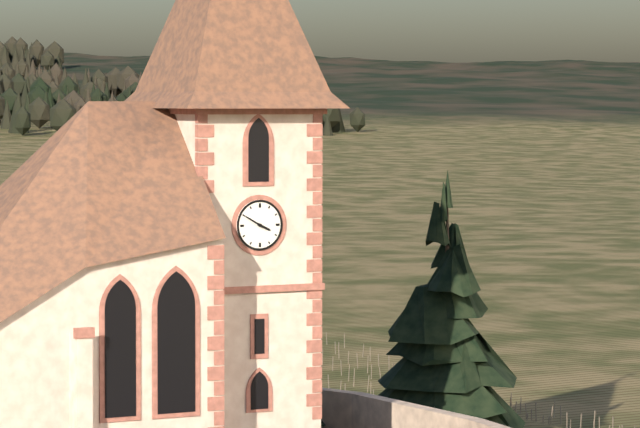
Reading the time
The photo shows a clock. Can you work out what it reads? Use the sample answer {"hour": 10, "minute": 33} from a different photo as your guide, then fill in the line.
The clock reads {"hour": 3, "minute": 50}
